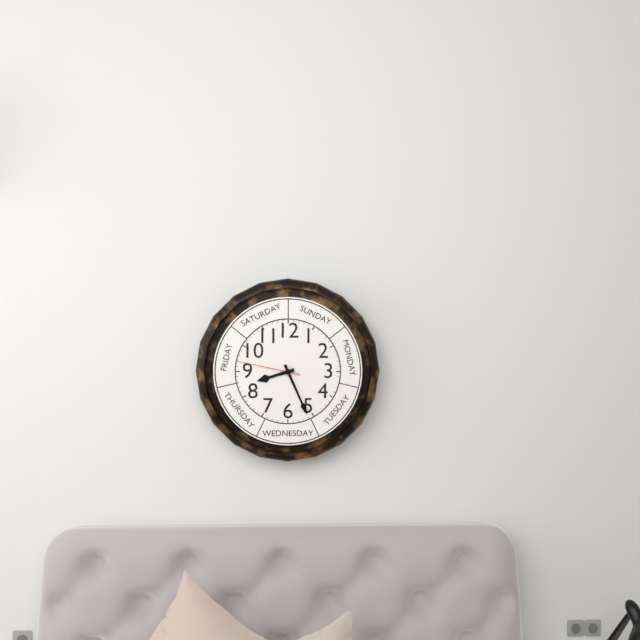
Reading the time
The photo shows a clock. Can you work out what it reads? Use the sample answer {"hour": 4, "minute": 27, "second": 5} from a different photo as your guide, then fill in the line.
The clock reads {"hour": 8, "minute": 26, "second": 47}
